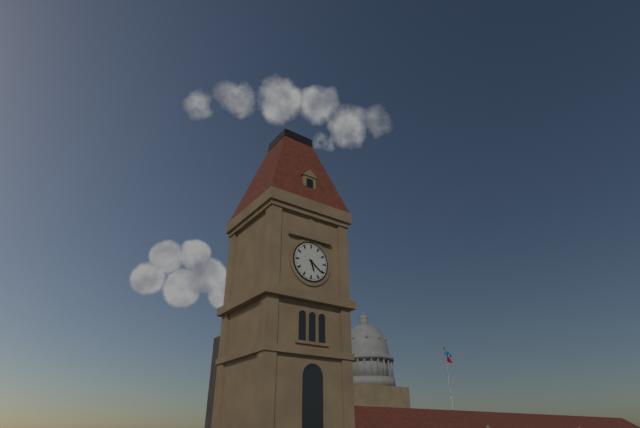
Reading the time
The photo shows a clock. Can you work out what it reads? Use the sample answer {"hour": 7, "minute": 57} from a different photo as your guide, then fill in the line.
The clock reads {"hour": 5, "minute": 21}
